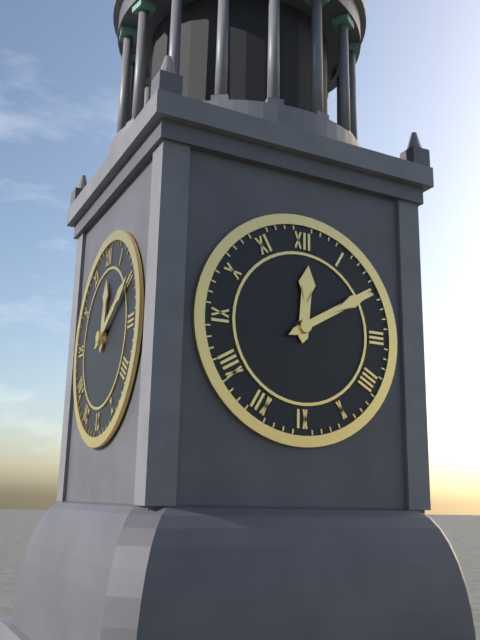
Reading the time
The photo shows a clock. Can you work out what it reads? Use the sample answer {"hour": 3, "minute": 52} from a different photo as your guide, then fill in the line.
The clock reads {"hour": 12, "minute": 10}
